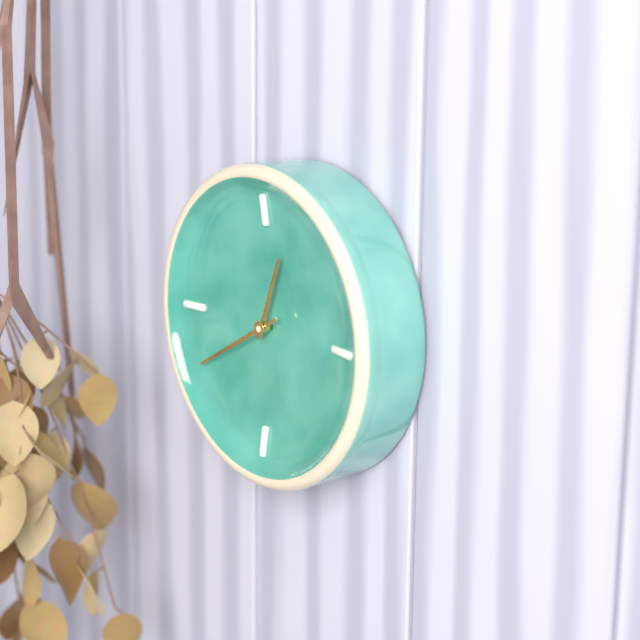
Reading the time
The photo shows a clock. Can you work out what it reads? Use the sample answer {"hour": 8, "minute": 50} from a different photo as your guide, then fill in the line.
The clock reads {"hour": 12, "minute": 40}
